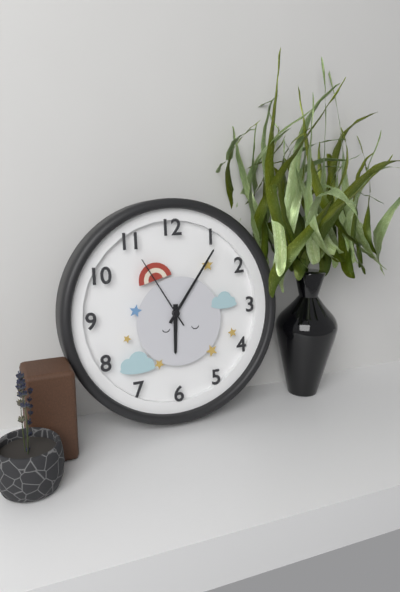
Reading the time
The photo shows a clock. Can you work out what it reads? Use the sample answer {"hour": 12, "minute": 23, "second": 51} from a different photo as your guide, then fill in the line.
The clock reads {"hour": 6, "minute": 6, "second": 55}
